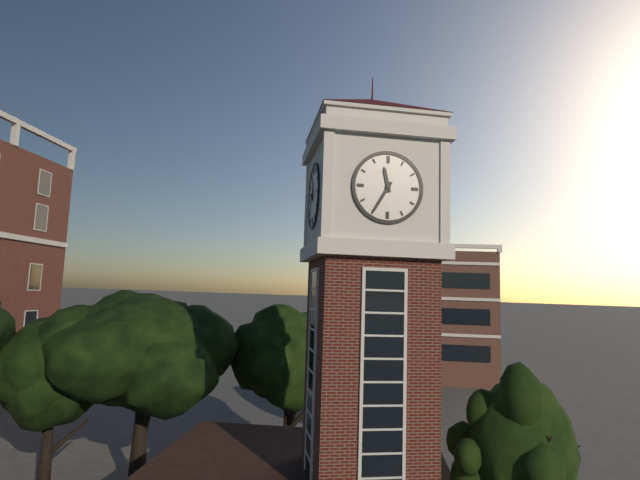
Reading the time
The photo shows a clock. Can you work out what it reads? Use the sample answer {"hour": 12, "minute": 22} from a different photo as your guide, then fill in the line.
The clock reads {"hour": 11, "minute": 35}
